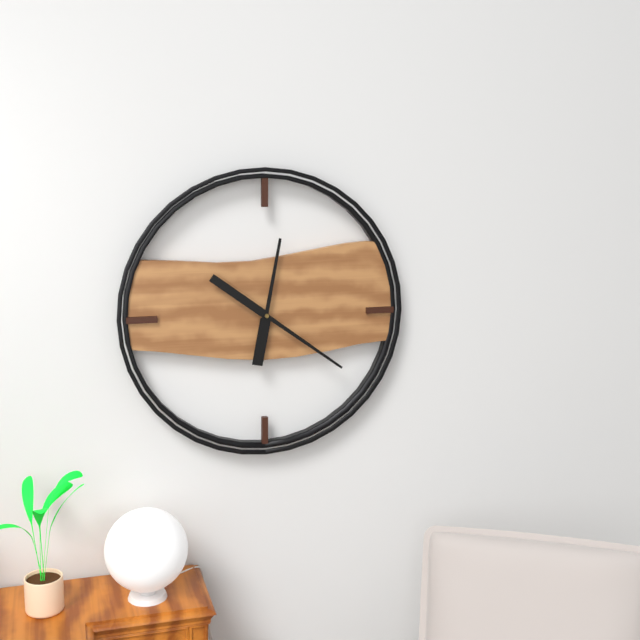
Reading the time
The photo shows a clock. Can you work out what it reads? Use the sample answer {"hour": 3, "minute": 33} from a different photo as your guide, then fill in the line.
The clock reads {"hour": 12, "minute": 21}
